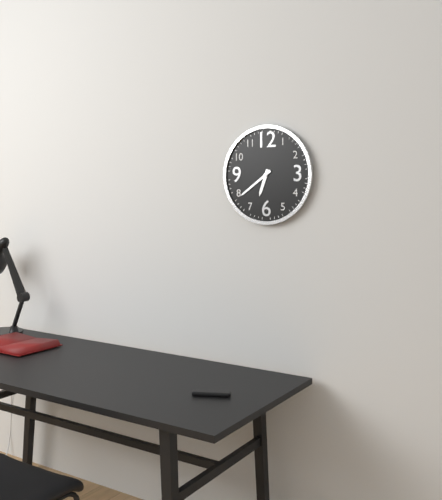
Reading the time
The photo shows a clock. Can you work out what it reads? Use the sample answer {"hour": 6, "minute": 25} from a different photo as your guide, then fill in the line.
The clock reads {"hour": 6, "minute": 39}
